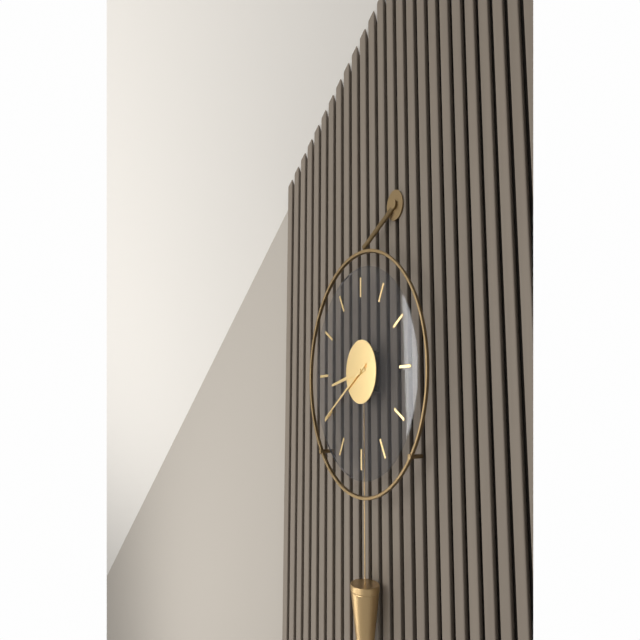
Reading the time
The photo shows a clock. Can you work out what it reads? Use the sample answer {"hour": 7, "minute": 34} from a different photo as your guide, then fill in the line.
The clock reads {"hour": 8, "minute": 40}
